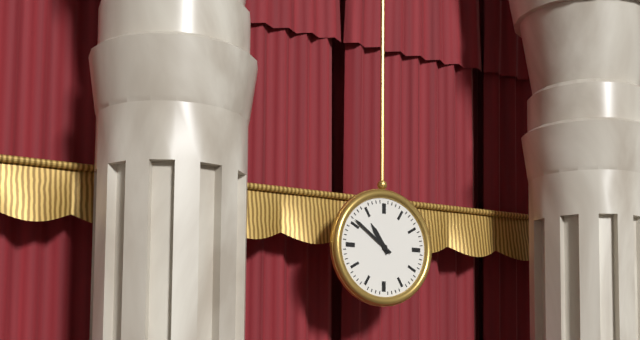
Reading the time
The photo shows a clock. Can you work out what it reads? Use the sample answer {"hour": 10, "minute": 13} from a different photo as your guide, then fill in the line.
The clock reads {"hour": 10, "minute": 51}
